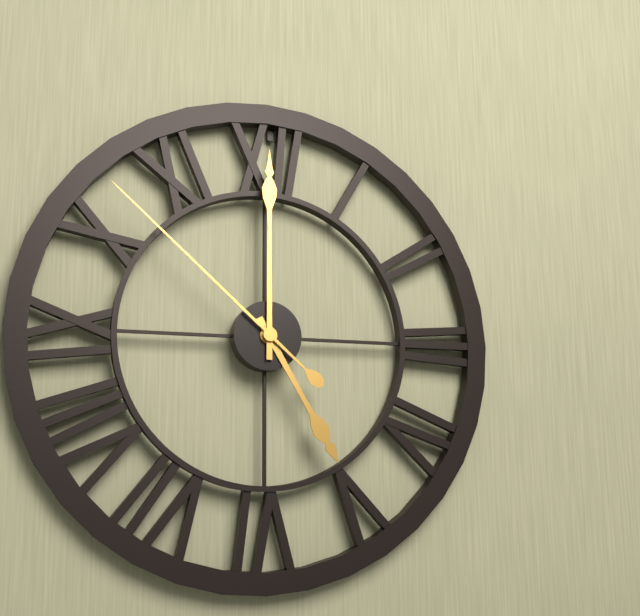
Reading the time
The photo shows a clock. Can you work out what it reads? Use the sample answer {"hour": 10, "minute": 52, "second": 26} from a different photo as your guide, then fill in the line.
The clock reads {"hour": 5, "minute": 0, "second": 52}
